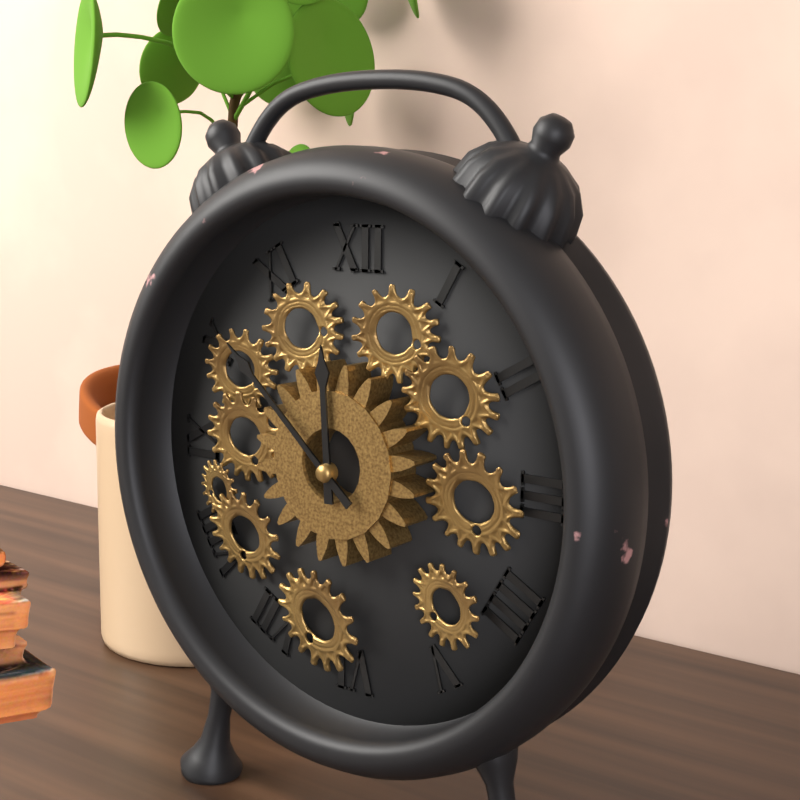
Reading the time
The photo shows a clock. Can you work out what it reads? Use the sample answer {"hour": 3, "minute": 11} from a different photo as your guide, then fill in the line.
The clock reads {"hour": 11, "minute": 52}
